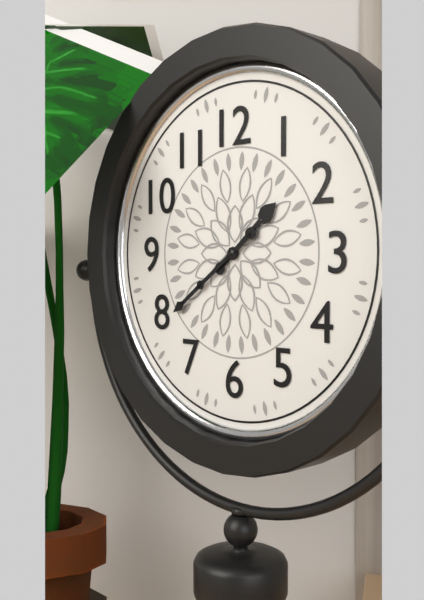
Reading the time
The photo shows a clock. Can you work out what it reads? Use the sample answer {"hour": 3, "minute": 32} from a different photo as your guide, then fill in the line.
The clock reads {"hour": 1, "minute": 39}
